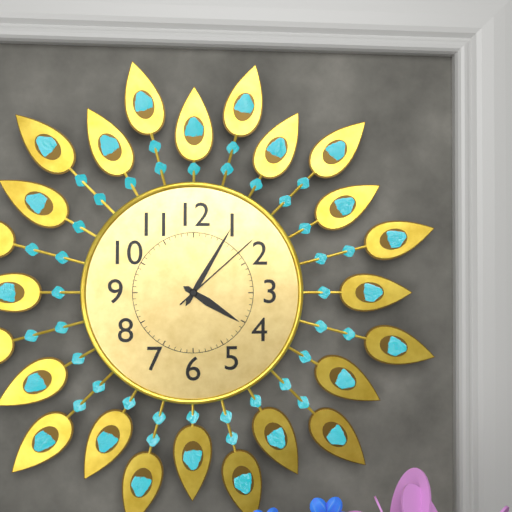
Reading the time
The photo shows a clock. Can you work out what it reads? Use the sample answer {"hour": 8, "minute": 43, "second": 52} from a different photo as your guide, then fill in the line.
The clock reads {"hour": 4, "minute": 5, "second": 8}
